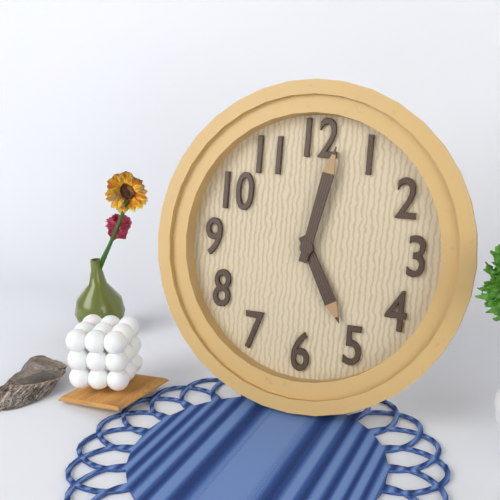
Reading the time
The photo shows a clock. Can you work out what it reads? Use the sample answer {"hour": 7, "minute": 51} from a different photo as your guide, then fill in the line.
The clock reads {"hour": 5, "minute": 2}
